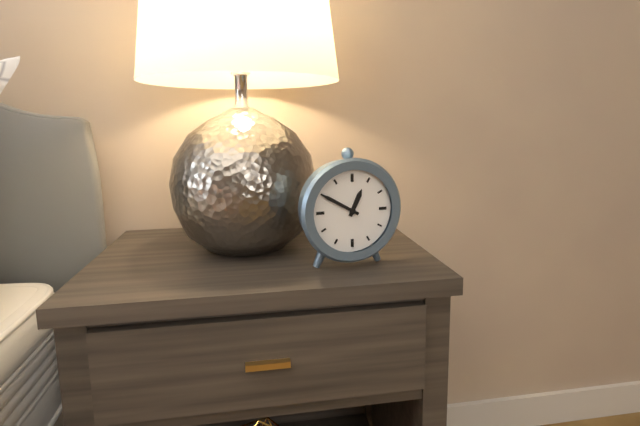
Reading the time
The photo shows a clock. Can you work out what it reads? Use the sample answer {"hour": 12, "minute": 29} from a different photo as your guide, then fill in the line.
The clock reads {"hour": 12, "minute": 50}
